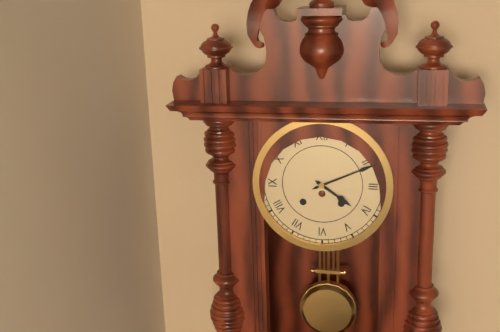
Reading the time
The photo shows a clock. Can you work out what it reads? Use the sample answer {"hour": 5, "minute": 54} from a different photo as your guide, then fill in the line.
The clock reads {"hour": 4, "minute": 11}
